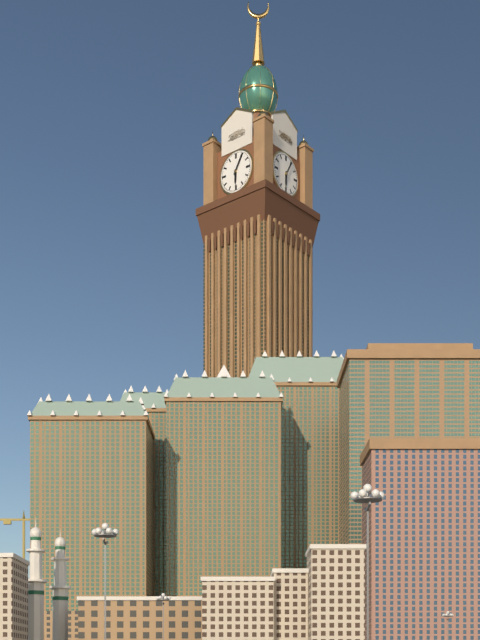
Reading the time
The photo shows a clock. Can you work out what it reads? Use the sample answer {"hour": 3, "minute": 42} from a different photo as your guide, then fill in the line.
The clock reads {"hour": 6, "minute": 5}
